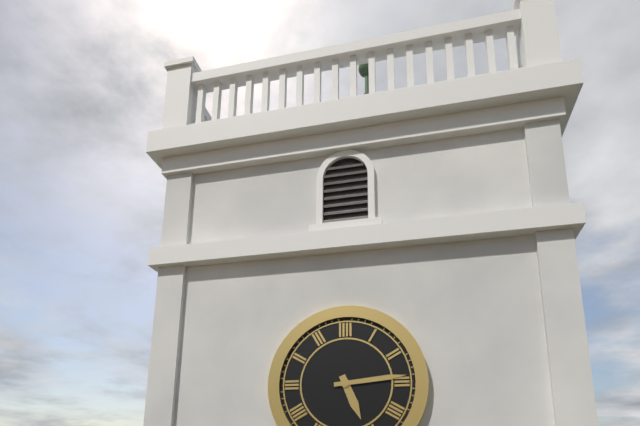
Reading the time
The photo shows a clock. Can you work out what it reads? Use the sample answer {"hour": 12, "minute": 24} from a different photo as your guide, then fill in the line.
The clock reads {"hour": 5, "minute": 14}
